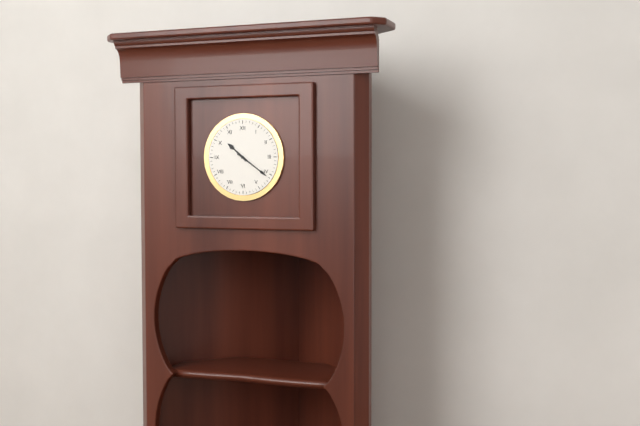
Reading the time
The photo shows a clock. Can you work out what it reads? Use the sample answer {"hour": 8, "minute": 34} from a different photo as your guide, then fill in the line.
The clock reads {"hour": 10, "minute": 21}
